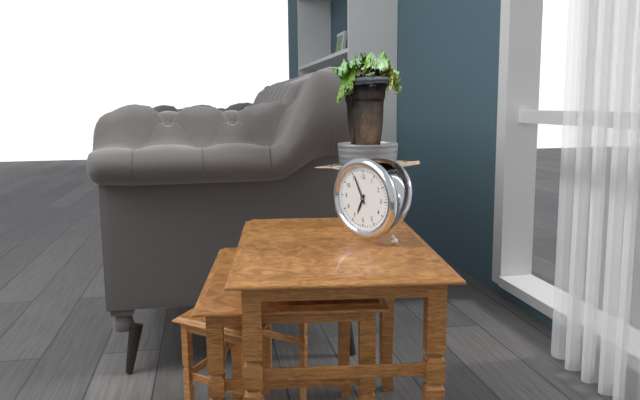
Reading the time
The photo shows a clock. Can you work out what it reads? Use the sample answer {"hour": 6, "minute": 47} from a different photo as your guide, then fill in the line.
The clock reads {"hour": 6, "minute": 55}
